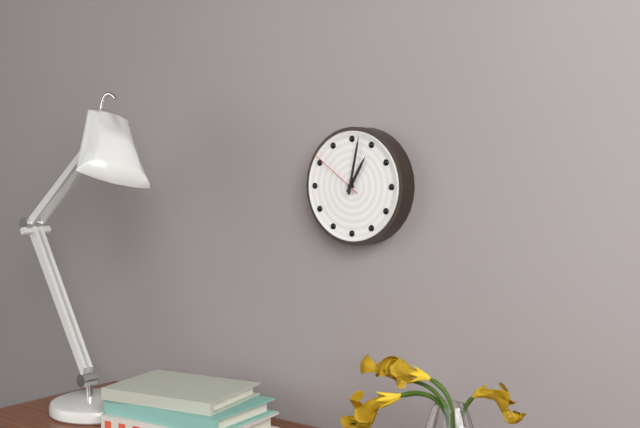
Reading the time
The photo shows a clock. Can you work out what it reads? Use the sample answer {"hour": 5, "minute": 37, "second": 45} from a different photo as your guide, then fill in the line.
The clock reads {"hour": 1, "minute": 2, "second": 51}
